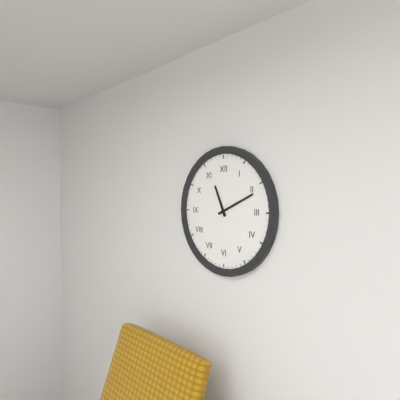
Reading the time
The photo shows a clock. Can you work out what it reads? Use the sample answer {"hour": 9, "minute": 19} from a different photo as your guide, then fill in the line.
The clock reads {"hour": 11, "minute": 11}
